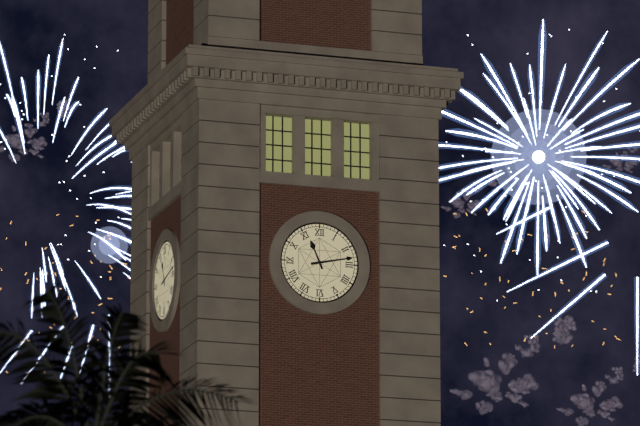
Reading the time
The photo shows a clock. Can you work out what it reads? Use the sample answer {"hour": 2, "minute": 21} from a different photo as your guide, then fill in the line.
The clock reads {"hour": 11, "minute": 13}
